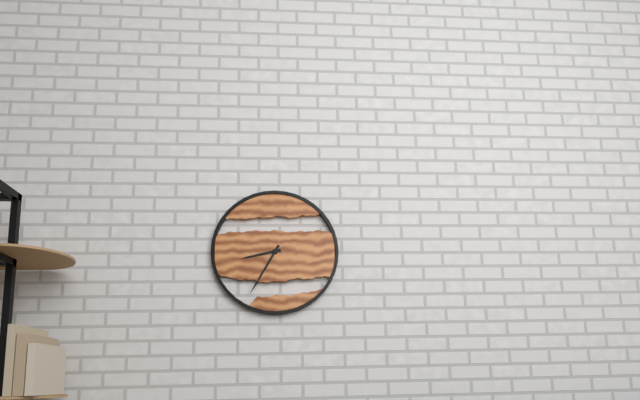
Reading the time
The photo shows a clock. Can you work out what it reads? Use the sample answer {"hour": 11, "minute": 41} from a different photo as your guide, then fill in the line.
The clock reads {"hour": 8, "minute": 35}
